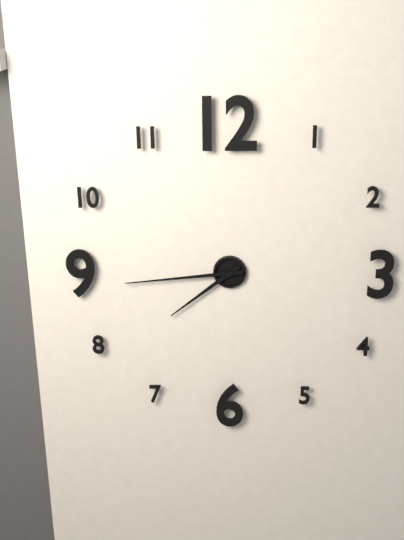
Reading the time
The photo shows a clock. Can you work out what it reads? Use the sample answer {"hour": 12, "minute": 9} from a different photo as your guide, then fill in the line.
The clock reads {"hour": 7, "minute": 44}
